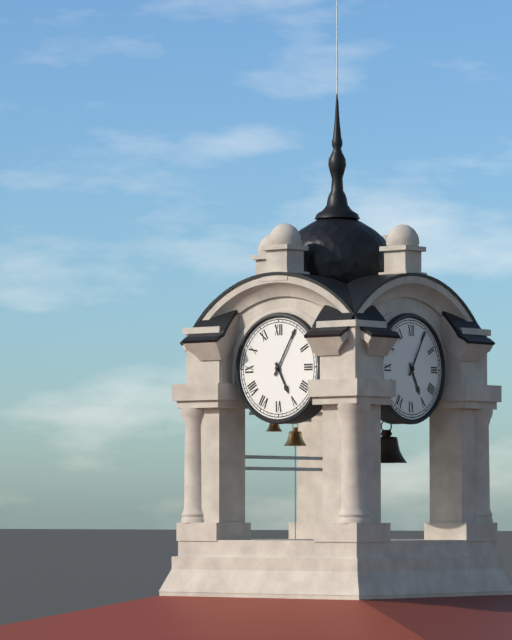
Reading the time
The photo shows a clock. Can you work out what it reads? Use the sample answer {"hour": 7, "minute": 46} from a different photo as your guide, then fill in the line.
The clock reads {"hour": 5, "minute": 5}
